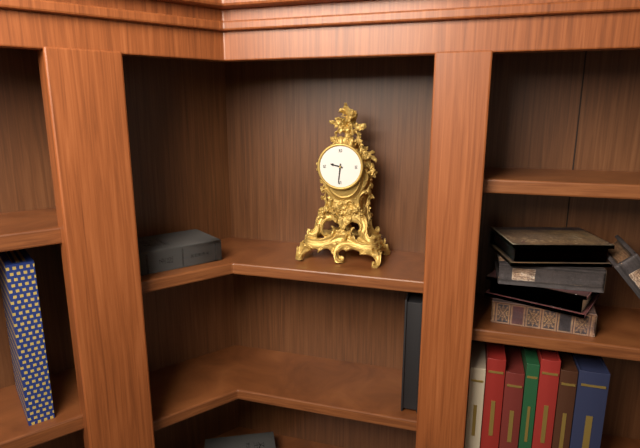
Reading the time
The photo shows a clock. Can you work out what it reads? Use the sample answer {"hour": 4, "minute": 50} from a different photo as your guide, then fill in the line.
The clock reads {"hour": 9, "minute": 31}
